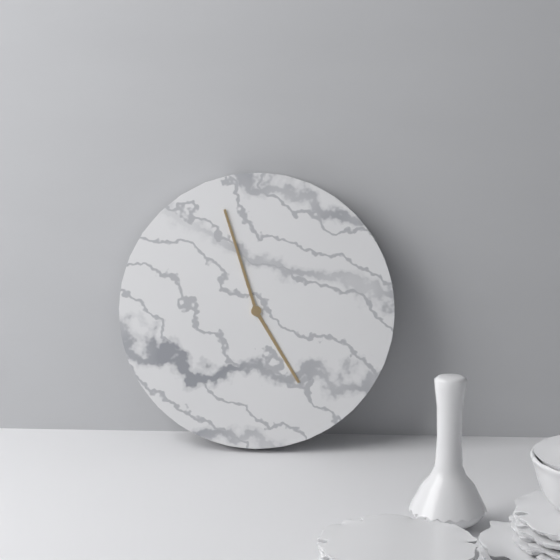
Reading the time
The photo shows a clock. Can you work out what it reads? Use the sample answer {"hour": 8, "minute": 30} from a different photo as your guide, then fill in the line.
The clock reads {"hour": 4, "minute": 57}
